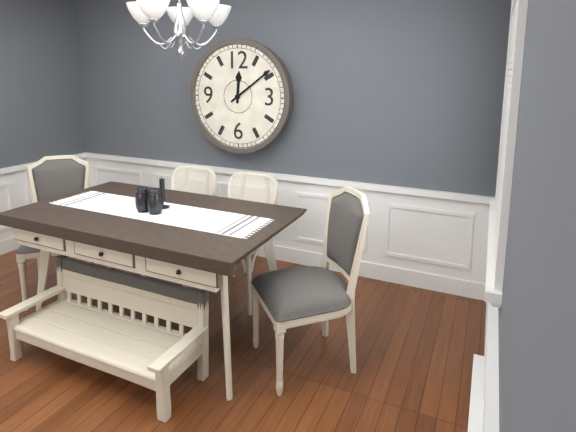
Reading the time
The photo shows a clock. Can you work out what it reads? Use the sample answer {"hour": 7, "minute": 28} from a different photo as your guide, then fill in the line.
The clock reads {"hour": 12, "minute": 9}
